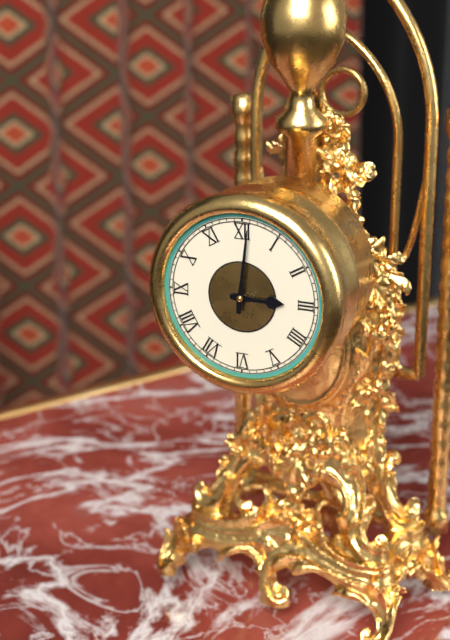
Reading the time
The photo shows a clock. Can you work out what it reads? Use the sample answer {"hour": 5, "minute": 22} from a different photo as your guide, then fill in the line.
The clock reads {"hour": 3, "minute": 1}
